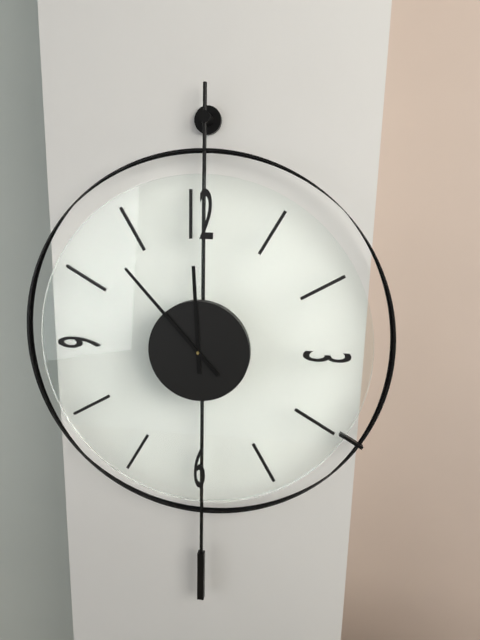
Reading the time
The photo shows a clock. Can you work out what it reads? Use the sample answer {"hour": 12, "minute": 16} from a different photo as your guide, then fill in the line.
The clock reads {"hour": 11, "minute": 53}
